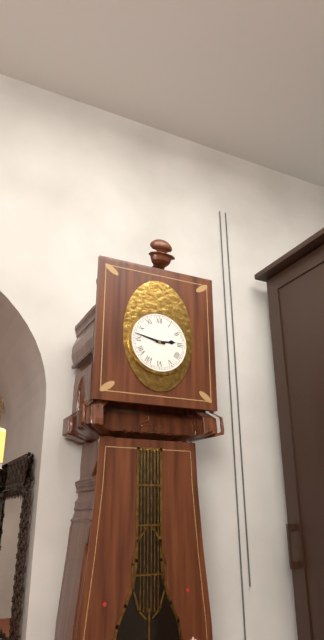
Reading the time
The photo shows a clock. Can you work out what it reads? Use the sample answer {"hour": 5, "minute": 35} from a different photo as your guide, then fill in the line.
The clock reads {"hour": 2, "minute": 47}
